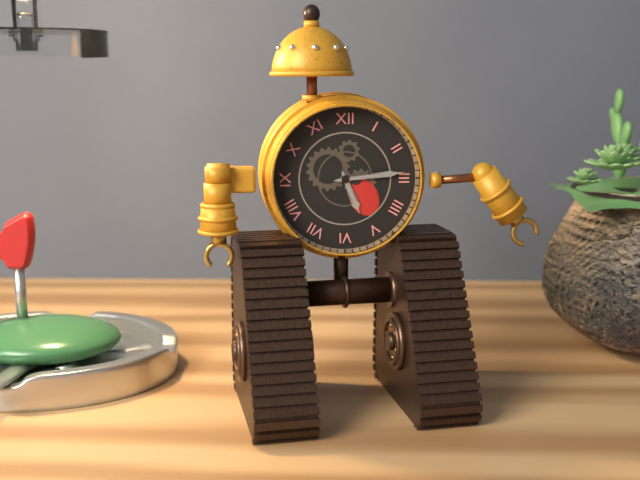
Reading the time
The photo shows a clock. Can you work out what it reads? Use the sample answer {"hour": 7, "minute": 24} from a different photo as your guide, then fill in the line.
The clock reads {"hour": 5, "minute": 14}
